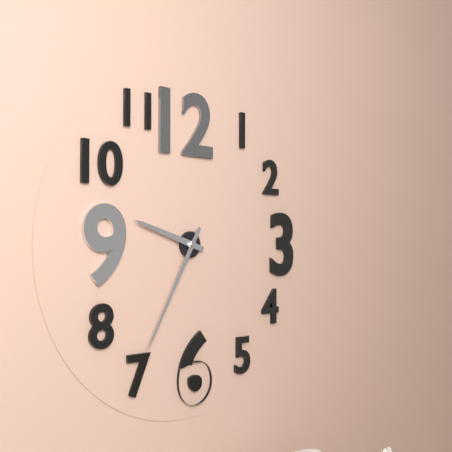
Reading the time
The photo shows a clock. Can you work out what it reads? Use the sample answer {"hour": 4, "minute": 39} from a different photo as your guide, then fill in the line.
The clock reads {"hour": 9, "minute": 35}
